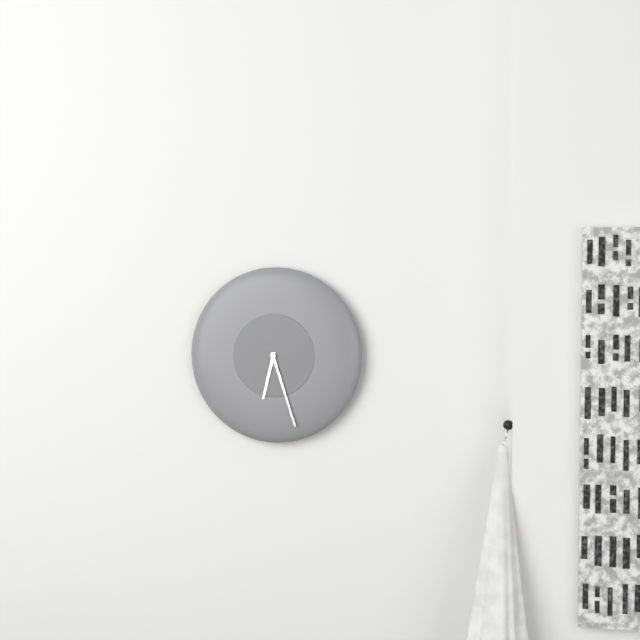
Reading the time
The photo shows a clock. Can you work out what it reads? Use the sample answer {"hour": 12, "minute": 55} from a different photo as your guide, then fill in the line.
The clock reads {"hour": 6, "minute": 27}
